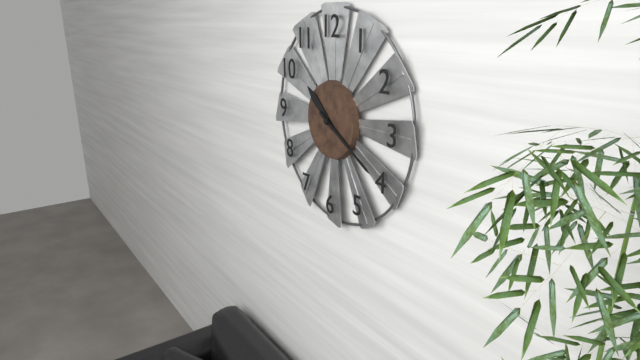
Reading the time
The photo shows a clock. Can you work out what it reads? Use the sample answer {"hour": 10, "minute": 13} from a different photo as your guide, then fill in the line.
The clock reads {"hour": 10, "minute": 20}
